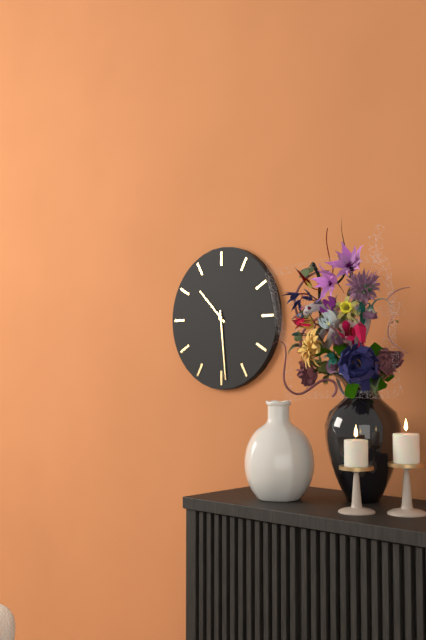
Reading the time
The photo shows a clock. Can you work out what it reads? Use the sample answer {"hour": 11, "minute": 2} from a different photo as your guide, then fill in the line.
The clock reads {"hour": 10, "minute": 29}
